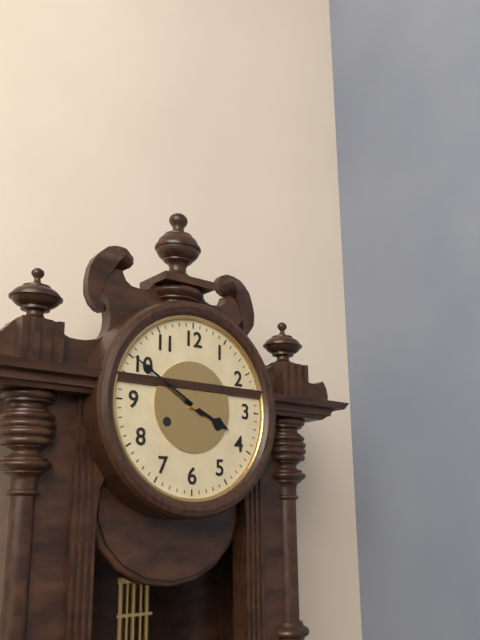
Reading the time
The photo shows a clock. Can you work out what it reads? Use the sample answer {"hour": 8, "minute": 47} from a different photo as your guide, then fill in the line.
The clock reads {"hour": 3, "minute": 50}
